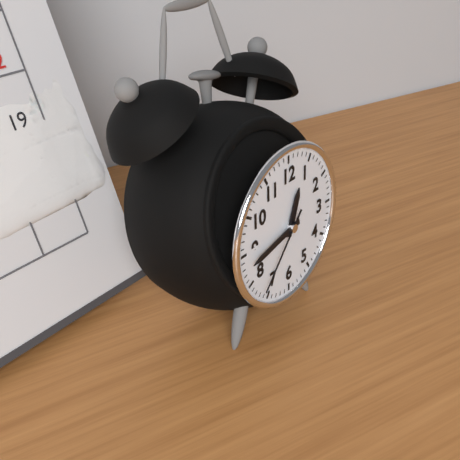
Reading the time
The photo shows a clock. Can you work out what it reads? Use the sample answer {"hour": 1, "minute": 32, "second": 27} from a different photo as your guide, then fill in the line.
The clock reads {"hour": 12, "minute": 43, "second": 37}
